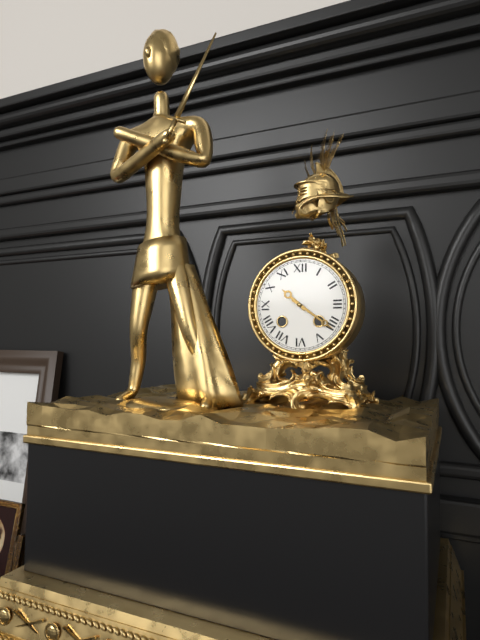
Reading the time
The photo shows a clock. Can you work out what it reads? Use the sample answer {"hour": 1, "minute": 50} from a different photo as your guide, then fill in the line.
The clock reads {"hour": 10, "minute": 21}
